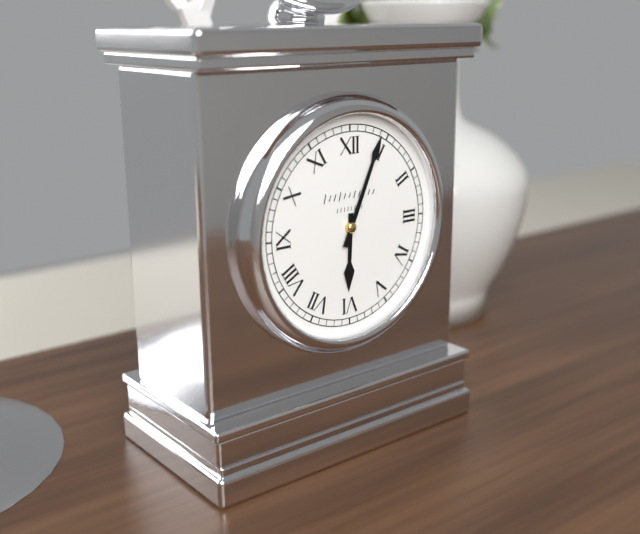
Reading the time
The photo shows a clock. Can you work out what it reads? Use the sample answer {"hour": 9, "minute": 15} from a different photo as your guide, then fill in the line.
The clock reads {"hour": 6, "minute": 4}
